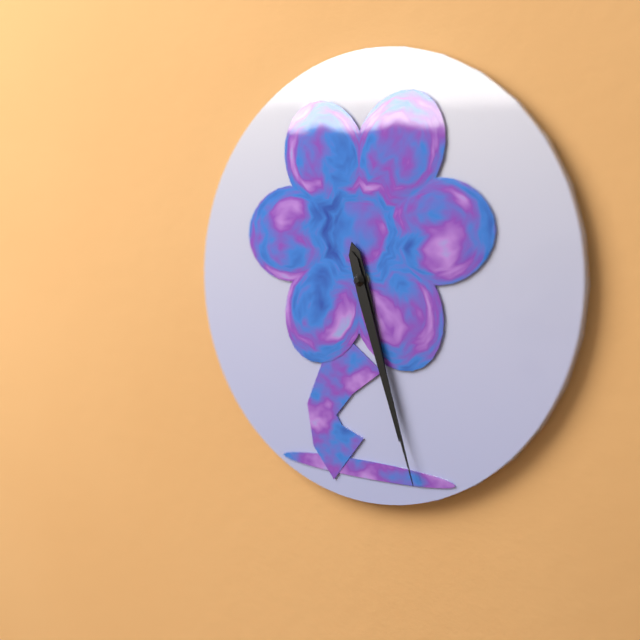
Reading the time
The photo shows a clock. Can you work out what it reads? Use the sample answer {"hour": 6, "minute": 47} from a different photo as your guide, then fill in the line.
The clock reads {"hour": 5, "minute": 27}
